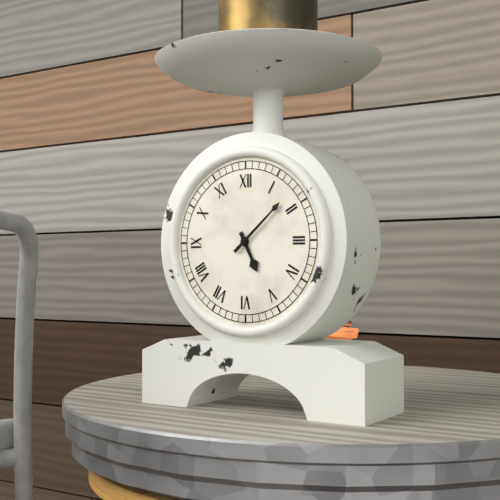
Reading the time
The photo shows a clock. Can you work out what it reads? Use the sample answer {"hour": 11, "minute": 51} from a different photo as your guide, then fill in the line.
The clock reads {"hour": 5, "minute": 8}
